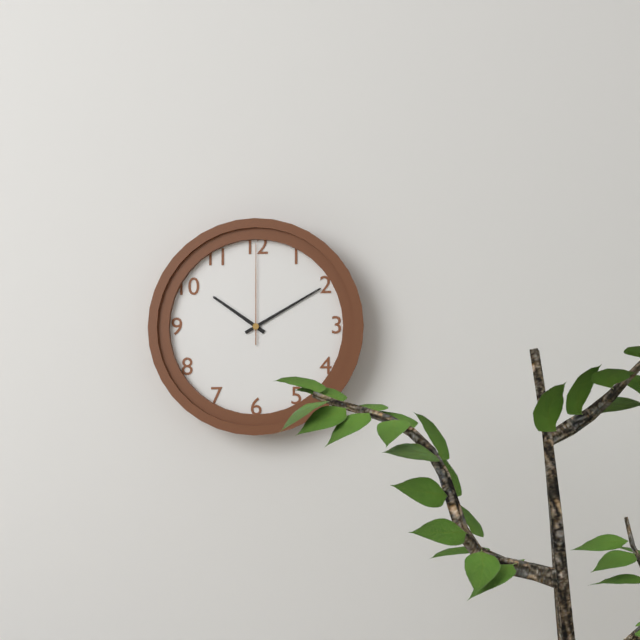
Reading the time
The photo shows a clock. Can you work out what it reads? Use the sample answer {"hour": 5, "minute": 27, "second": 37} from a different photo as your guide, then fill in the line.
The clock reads {"hour": 10, "minute": 10, "second": 0}
